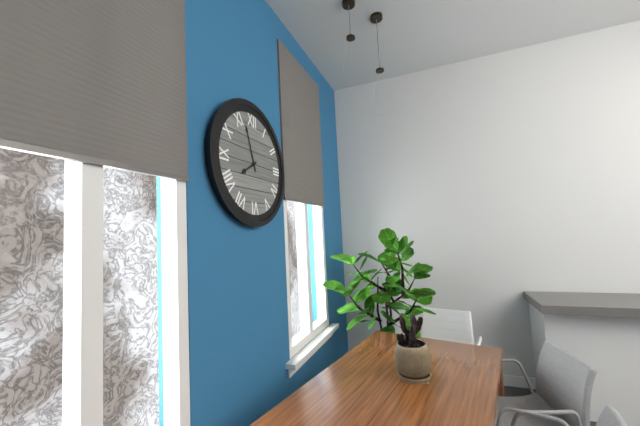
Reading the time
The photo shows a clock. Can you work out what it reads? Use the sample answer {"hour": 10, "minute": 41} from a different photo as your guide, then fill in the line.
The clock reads {"hour": 7, "minute": 57}
